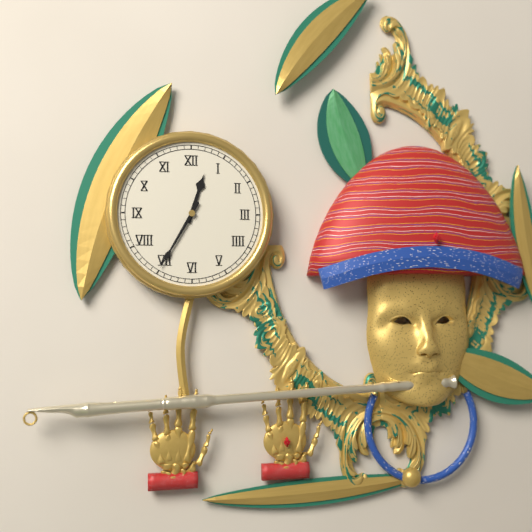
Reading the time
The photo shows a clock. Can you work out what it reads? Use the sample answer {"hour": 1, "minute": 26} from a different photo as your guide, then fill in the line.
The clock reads {"hour": 12, "minute": 35}
